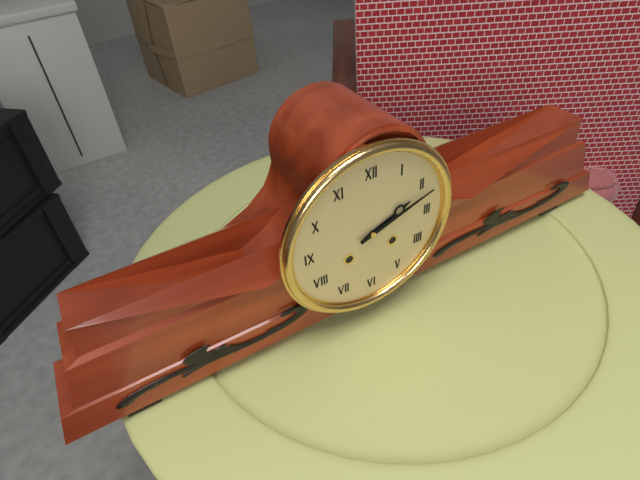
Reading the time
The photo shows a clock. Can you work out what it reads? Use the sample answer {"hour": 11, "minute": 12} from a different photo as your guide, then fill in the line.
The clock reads {"hour": 2, "minute": 12}
